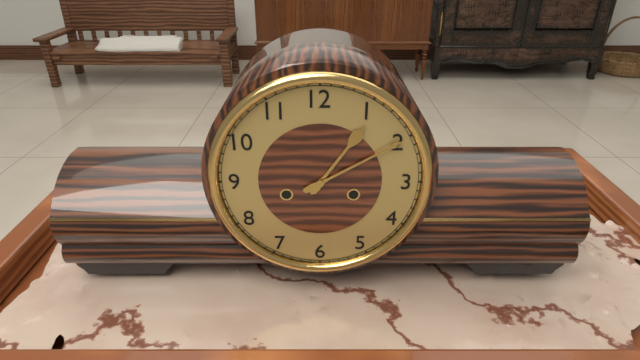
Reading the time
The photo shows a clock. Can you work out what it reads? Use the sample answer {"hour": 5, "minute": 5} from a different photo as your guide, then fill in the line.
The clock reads {"hour": 1, "minute": 10}
